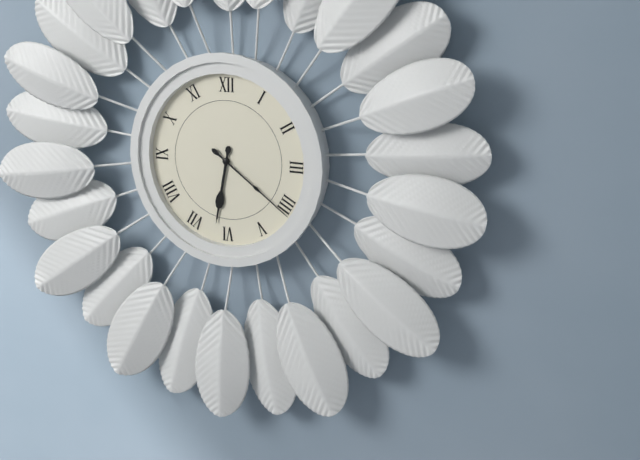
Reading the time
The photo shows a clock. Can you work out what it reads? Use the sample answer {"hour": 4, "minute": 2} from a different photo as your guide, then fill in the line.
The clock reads {"hour": 6, "minute": 21}
